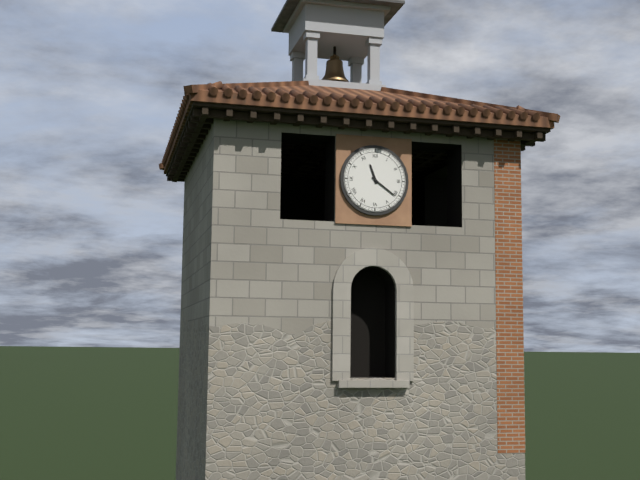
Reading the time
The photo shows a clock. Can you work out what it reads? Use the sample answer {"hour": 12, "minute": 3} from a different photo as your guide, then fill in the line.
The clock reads {"hour": 11, "minute": 21}
